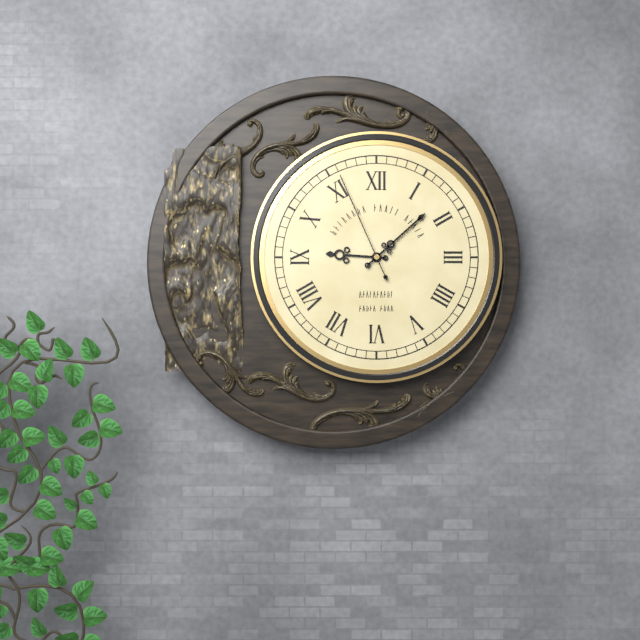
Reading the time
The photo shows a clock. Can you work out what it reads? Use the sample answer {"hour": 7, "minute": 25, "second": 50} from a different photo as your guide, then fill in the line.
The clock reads {"hour": 9, "minute": 8, "second": 56}
